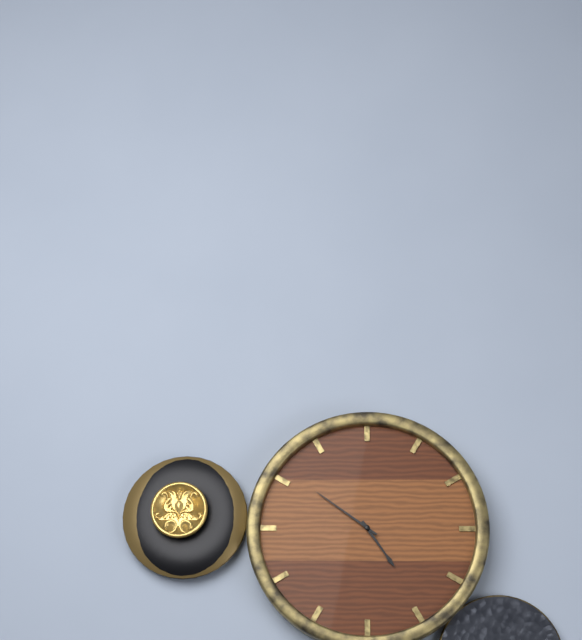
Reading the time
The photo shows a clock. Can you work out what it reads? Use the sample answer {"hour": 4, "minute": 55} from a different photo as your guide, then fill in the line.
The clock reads {"hour": 4, "minute": 51}
